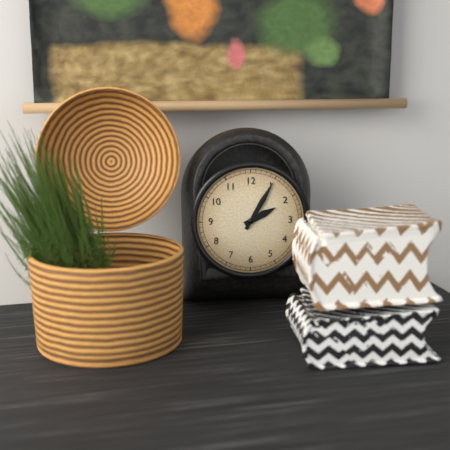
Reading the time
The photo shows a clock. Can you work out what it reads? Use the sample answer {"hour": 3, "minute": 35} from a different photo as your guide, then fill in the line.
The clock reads {"hour": 2, "minute": 5}
